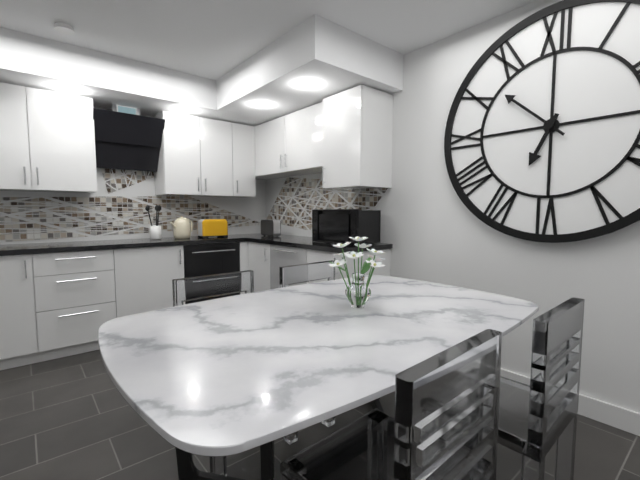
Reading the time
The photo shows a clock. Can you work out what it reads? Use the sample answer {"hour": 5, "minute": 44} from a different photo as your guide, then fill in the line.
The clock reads {"hour": 6, "minute": 52}
